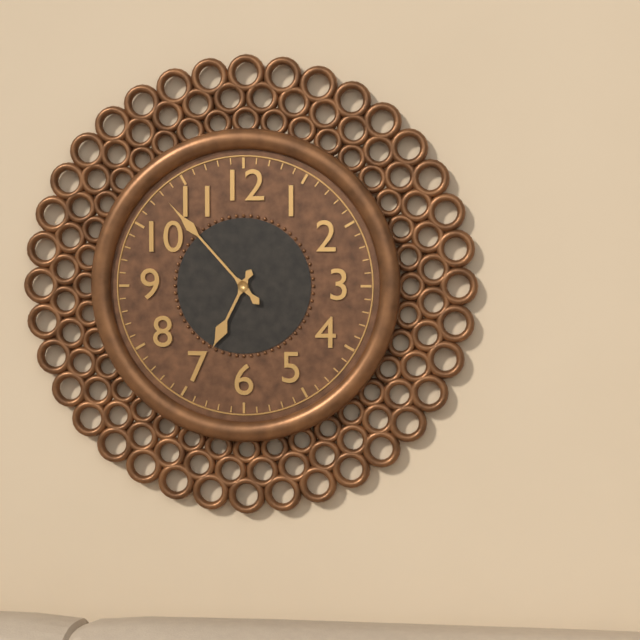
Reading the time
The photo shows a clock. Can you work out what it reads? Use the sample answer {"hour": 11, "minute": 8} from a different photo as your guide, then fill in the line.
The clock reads {"hour": 6, "minute": 53}
